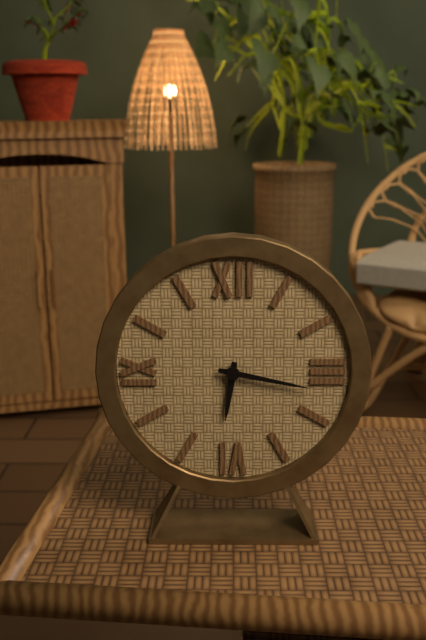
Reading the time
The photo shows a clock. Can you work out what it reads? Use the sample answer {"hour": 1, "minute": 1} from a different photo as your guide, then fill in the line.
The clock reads {"hour": 6, "minute": 17}
